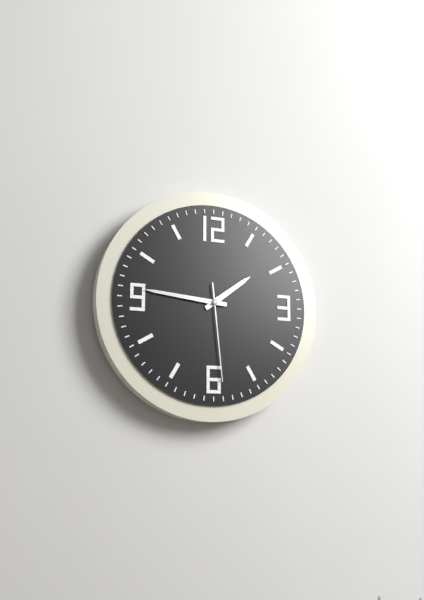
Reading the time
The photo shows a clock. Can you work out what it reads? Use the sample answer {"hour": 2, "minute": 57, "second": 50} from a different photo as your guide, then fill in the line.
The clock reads {"hour": 1, "minute": 46, "second": 29}
